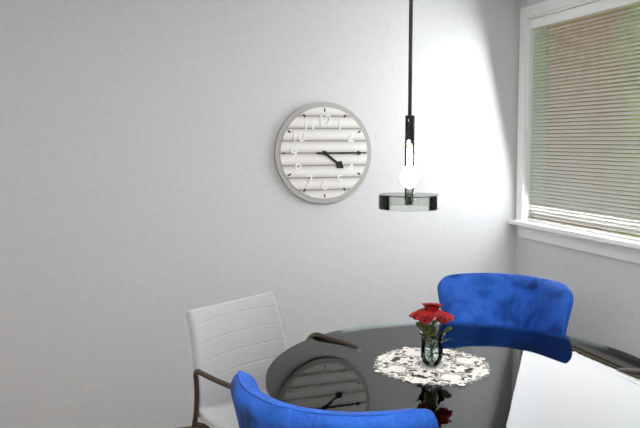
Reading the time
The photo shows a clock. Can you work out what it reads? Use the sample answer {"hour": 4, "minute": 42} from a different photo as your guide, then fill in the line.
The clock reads {"hour": 4, "minute": 15}
